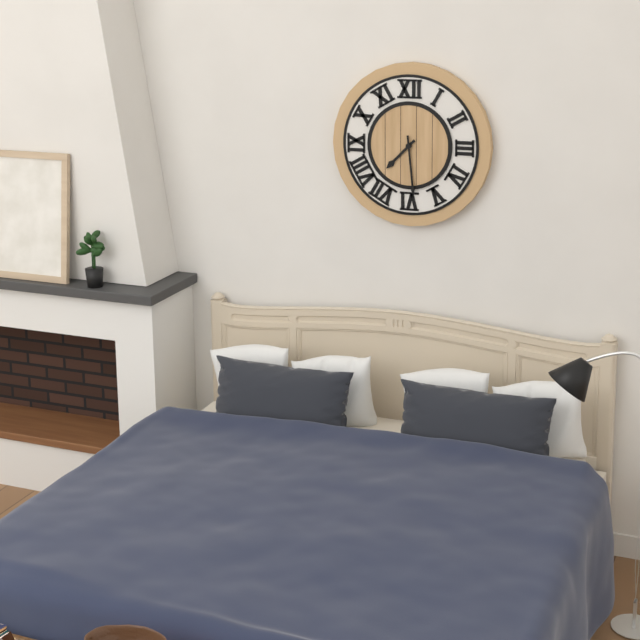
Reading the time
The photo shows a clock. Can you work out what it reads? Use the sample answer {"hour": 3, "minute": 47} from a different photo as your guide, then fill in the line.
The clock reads {"hour": 7, "minute": 29}
